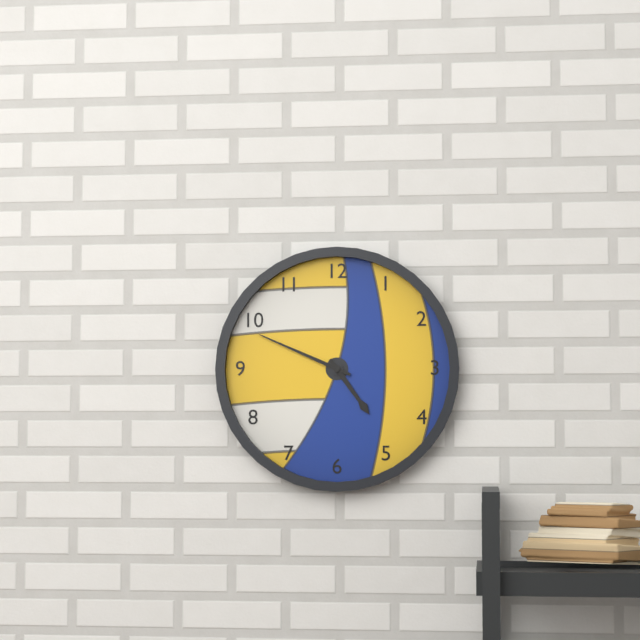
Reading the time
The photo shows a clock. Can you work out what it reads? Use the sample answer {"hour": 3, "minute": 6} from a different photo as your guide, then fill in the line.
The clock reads {"hour": 4, "minute": 49}
